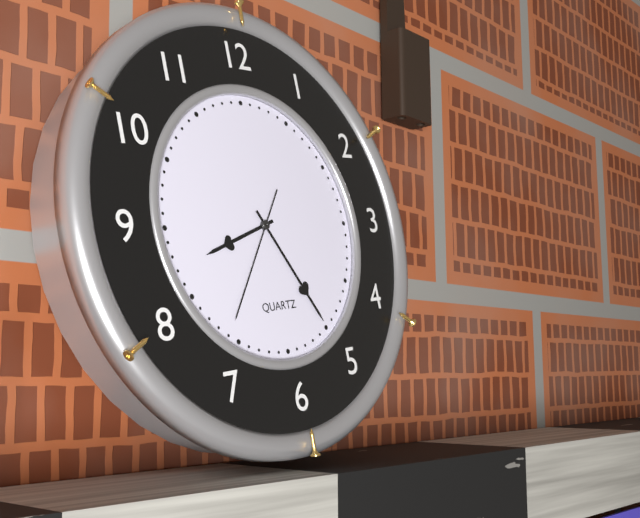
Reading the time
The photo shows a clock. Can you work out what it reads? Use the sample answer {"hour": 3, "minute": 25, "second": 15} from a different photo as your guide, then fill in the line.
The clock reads {"hour": 8, "minute": 25, "second": 36}
